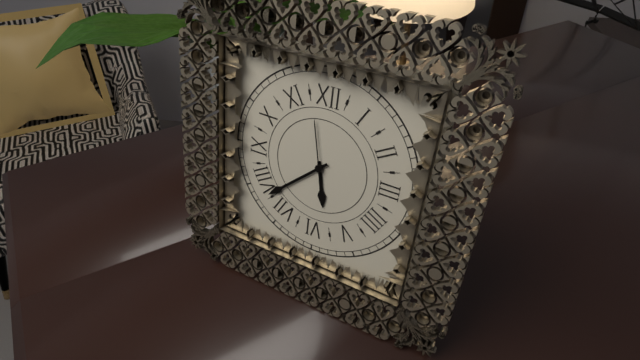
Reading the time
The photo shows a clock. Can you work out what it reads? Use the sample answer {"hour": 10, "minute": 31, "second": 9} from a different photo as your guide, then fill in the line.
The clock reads {"hour": 5, "minute": 38, "second": 58}
